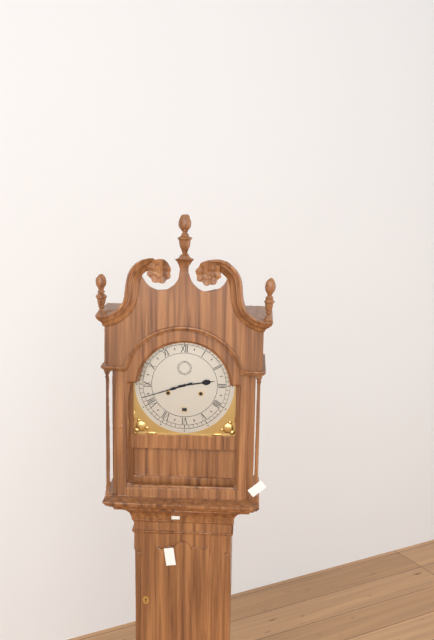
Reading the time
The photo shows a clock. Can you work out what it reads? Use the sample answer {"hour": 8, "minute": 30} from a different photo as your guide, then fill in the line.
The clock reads {"hour": 2, "minute": 42}
